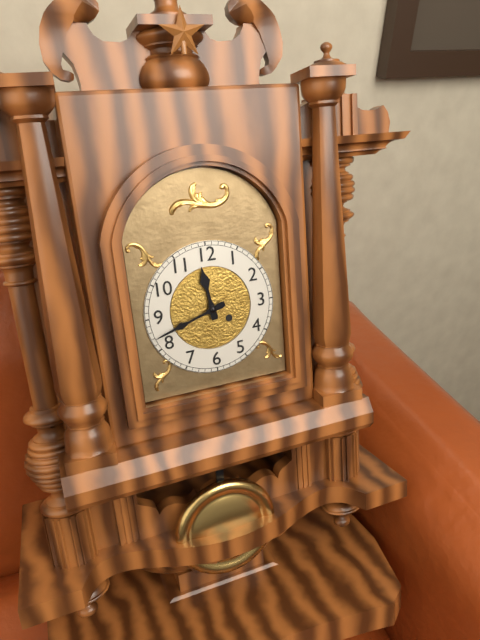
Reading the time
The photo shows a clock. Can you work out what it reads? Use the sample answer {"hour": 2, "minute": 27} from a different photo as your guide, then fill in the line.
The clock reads {"hour": 11, "minute": 42}
